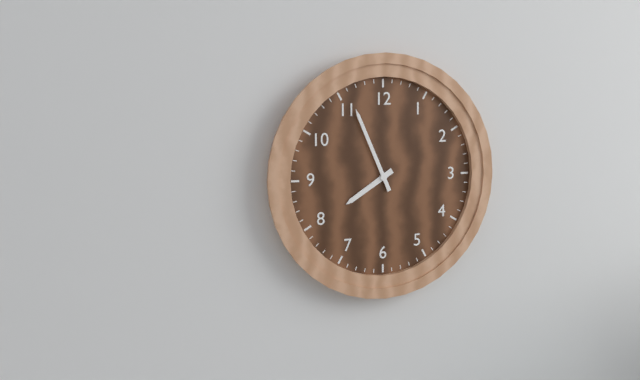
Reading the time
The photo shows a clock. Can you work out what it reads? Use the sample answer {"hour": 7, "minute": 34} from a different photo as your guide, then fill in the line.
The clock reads {"hour": 7, "minute": 56}
